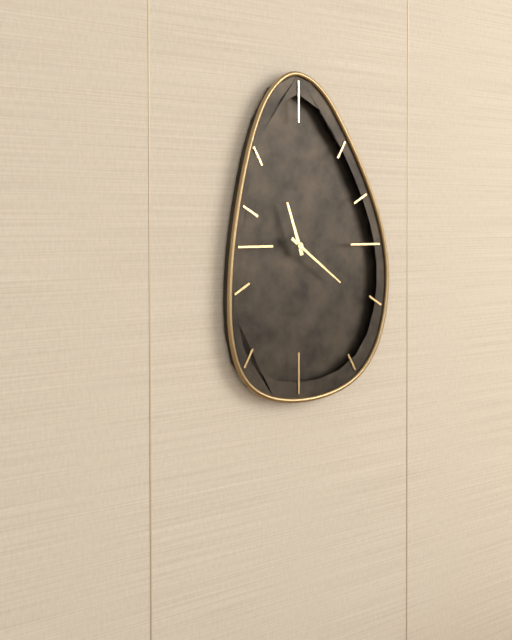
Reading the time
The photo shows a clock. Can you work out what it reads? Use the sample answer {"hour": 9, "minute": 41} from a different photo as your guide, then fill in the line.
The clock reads {"hour": 11, "minute": 21}
